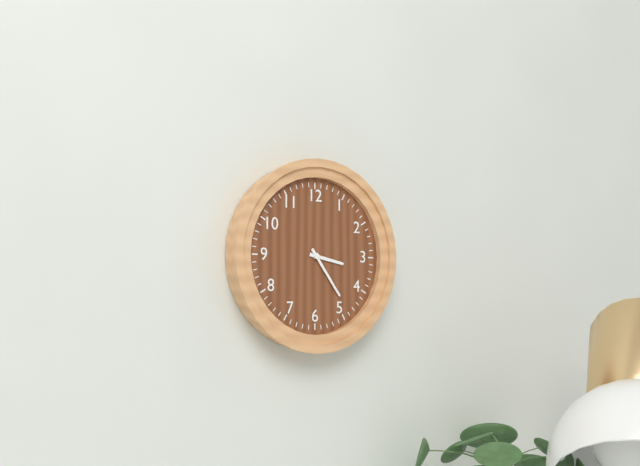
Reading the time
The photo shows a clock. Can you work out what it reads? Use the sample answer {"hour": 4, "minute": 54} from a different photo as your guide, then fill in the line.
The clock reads {"hour": 3, "minute": 24}
